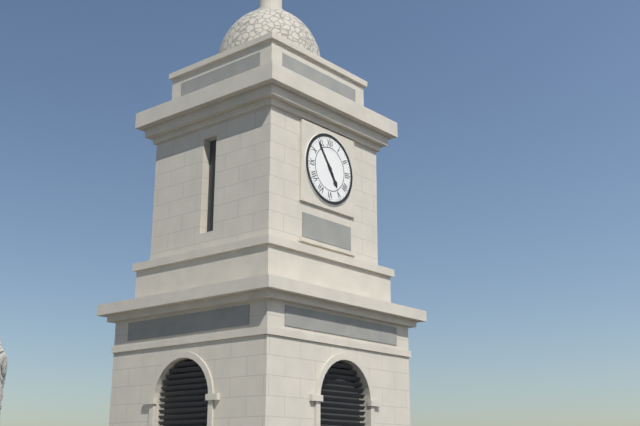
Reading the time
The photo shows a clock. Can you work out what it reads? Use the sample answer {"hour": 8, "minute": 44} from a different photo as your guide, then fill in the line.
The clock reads {"hour": 4, "minute": 54}
